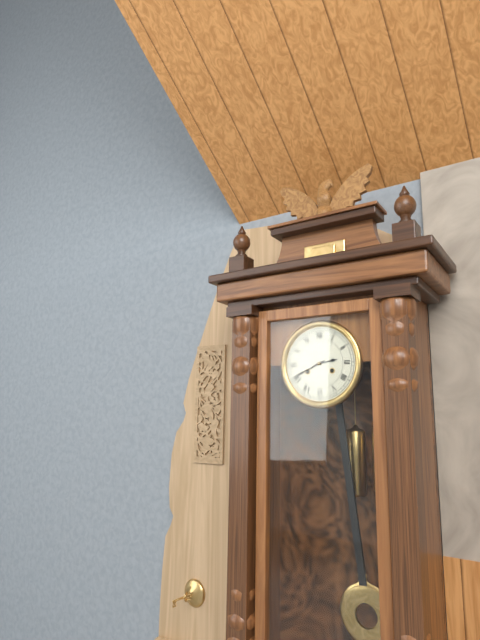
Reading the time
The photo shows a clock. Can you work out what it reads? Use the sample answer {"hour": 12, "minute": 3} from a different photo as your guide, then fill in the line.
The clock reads {"hour": 2, "minute": 41}
